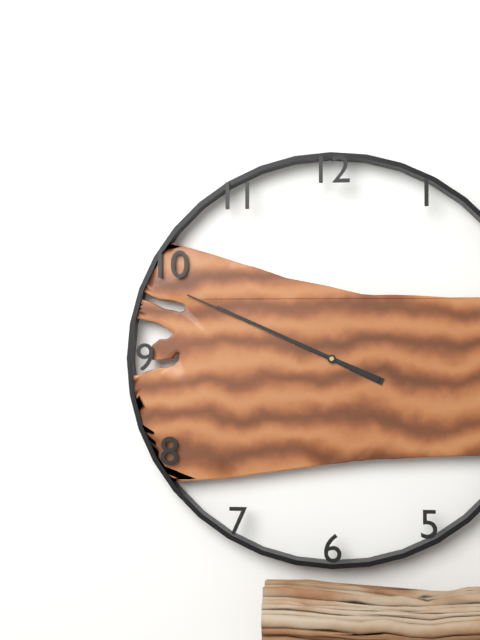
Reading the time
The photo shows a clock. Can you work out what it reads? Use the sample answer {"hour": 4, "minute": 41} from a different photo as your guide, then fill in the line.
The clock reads {"hour": 9, "minute": 49}
